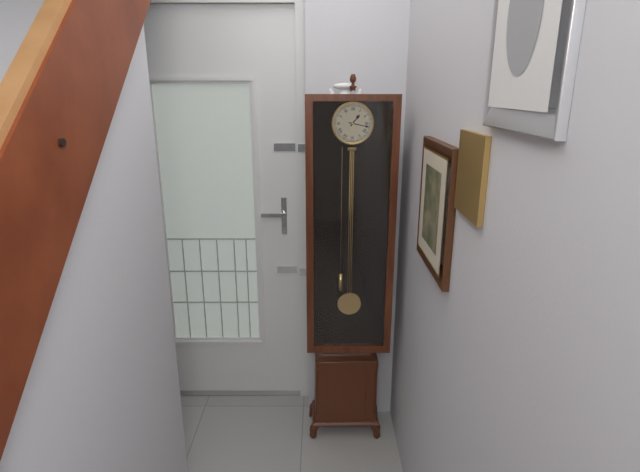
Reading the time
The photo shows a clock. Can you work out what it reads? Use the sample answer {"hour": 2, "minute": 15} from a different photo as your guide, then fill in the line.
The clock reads {"hour": 1, "minute": 17}
